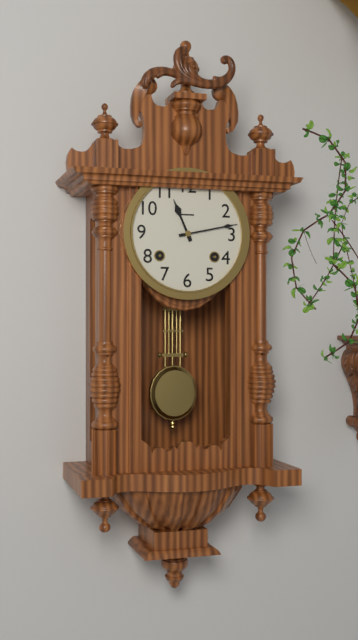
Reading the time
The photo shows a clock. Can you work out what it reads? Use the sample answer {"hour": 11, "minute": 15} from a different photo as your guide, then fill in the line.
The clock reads {"hour": 11, "minute": 13}
